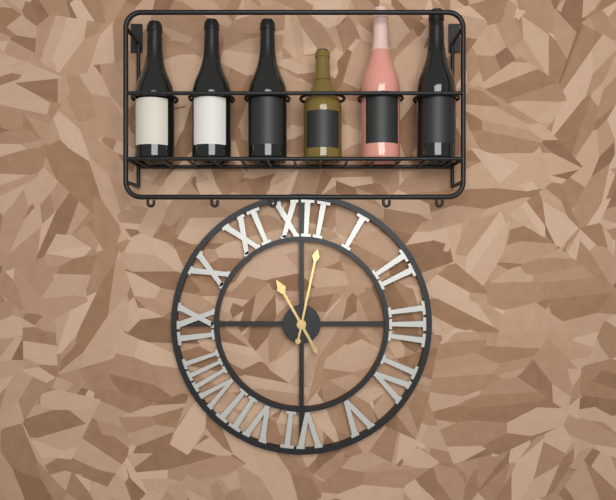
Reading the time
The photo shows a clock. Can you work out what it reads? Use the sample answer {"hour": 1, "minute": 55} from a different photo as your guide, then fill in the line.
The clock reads {"hour": 11, "minute": 2}
